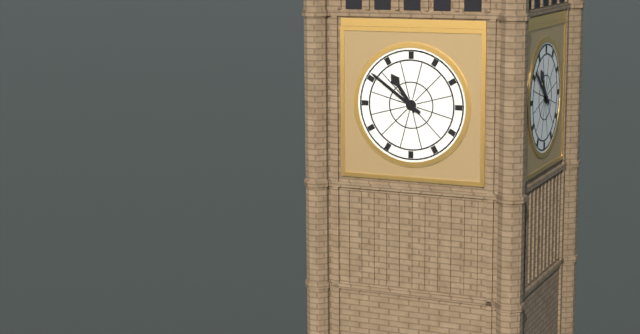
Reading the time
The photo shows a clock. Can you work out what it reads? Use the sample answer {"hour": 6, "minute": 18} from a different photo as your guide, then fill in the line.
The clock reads {"hour": 10, "minute": 51}
